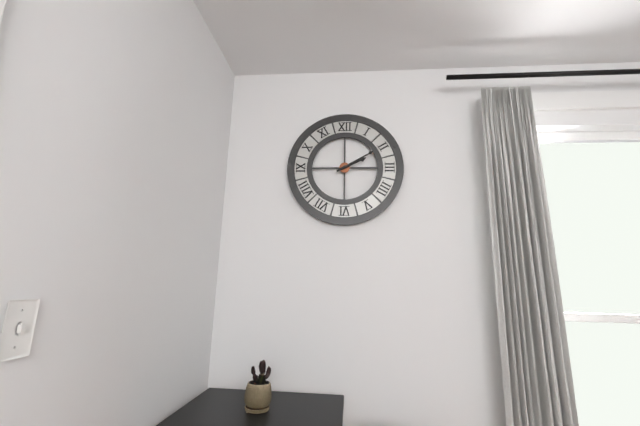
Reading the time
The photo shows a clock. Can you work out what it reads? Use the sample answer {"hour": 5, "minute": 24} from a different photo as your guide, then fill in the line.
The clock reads {"hour": 2, "minute": 10}
